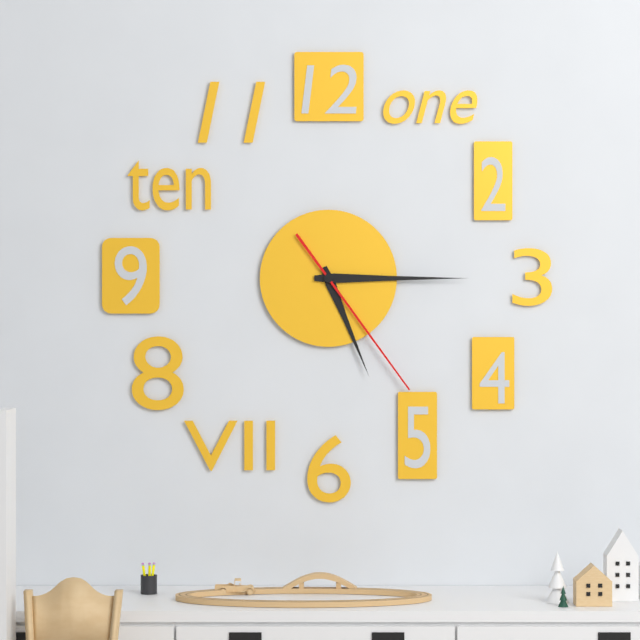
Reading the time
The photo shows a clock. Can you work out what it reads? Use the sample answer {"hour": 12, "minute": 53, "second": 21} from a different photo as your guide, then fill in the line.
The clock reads {"hour": 5, "minute": 15, "second": 24}
